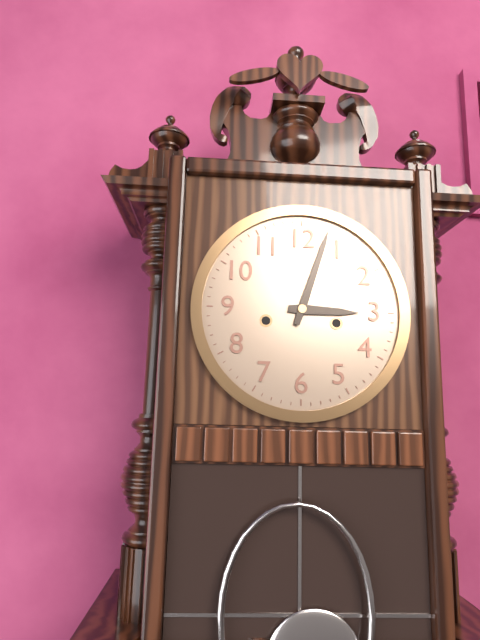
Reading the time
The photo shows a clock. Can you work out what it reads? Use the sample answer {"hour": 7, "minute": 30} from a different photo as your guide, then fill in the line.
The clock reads {"hour": 3, "minute": 3}
